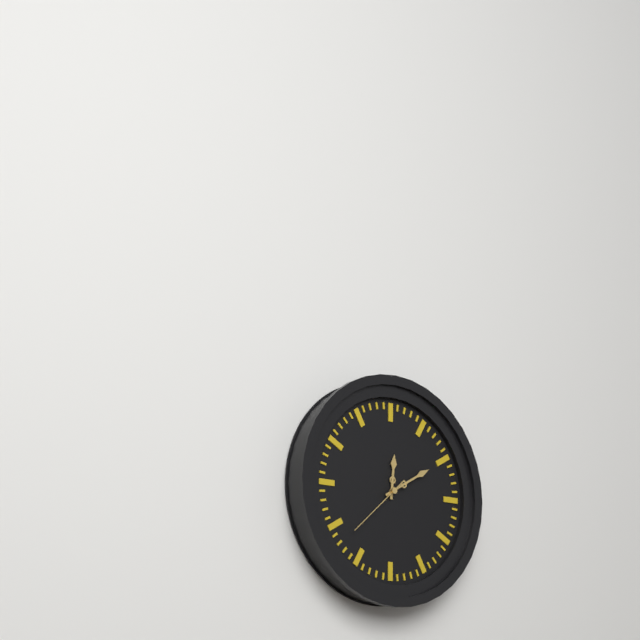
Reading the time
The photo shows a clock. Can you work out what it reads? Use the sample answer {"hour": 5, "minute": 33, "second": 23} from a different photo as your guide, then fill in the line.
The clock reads {"hour": 12, "minute": 10, "second": 38}
